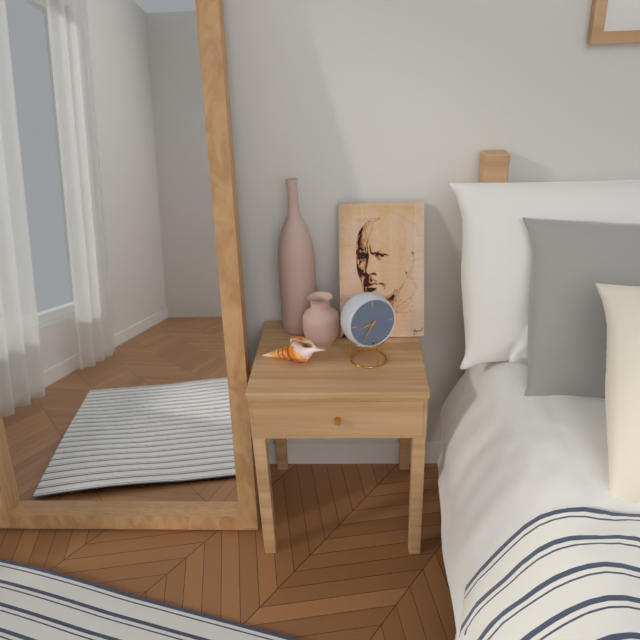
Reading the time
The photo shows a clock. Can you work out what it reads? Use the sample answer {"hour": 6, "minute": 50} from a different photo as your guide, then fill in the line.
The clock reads {"hour": 8, "minute": 36}
